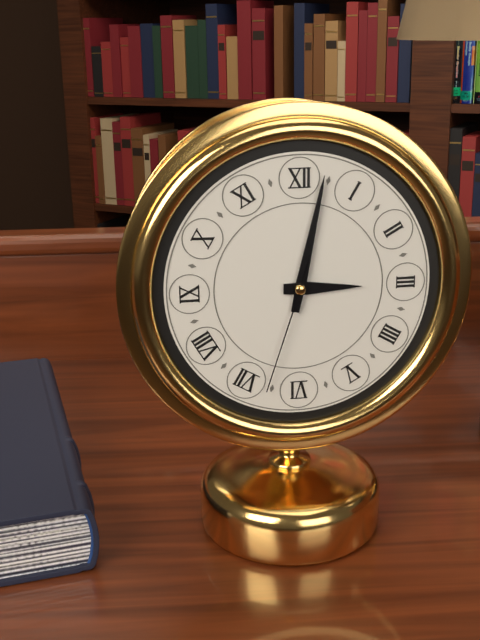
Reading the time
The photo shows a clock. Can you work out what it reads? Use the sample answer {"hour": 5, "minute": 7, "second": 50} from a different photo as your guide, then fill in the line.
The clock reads {"hour": 3, "minute": 2, "second": 33}
